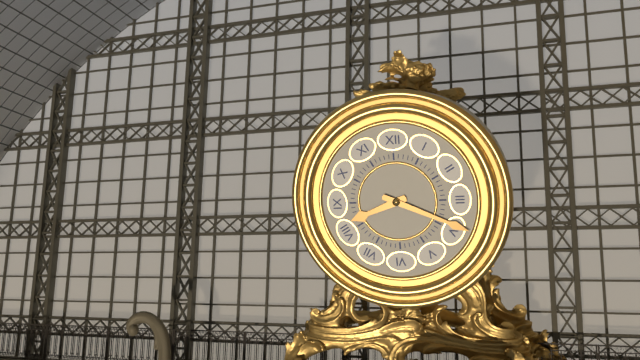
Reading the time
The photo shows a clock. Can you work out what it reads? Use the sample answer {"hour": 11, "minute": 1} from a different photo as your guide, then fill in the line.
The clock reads {"hour": 8, "minute": 19}
